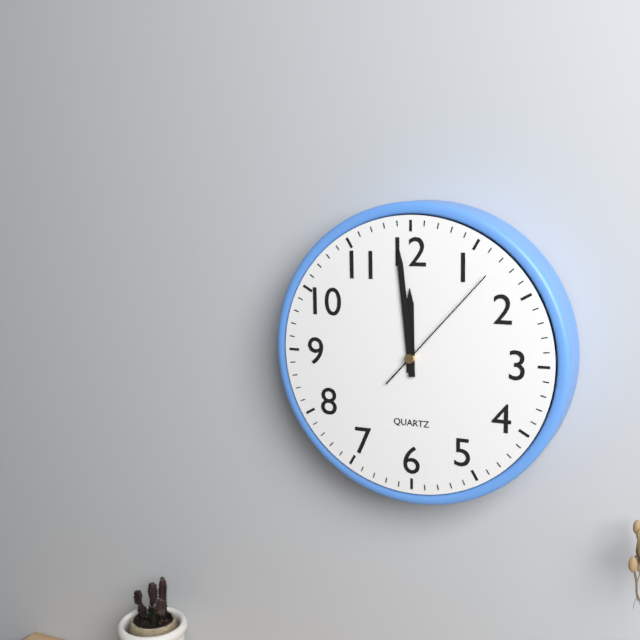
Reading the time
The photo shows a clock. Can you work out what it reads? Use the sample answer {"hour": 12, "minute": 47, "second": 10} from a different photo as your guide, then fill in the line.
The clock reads {"hour": 11, "minute": 59, "second": 7}
